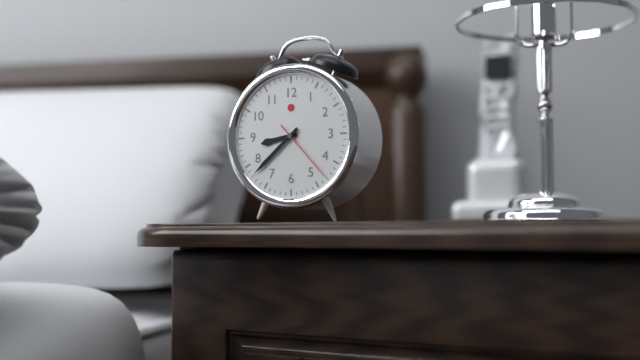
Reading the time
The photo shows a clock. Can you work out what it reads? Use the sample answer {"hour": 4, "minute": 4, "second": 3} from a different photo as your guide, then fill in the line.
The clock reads {"hour": 8, "minute": 38, "second": 23}
